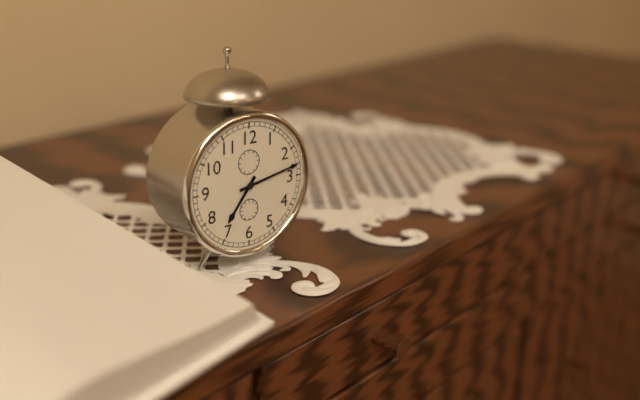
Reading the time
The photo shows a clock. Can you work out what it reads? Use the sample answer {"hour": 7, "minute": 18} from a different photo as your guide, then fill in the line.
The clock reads {"hour": 7, "minute": 13}
